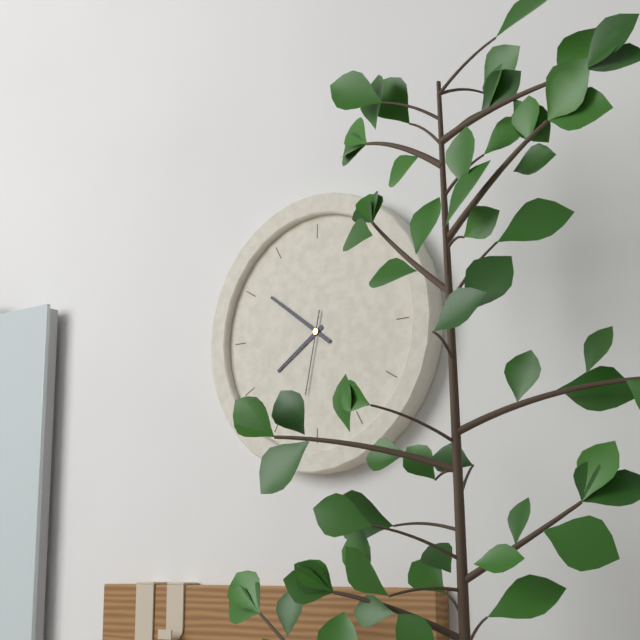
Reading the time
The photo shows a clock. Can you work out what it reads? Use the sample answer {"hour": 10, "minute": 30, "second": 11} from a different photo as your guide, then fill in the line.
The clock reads {"hour": 7, "minute": 51, "second": 32}
